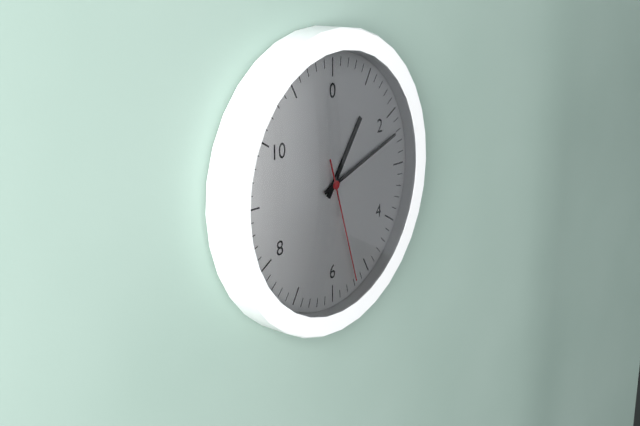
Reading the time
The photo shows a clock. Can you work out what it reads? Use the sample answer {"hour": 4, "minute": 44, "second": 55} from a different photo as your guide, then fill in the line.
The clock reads {"hour": 1, "minute": 12, "second": 27}
